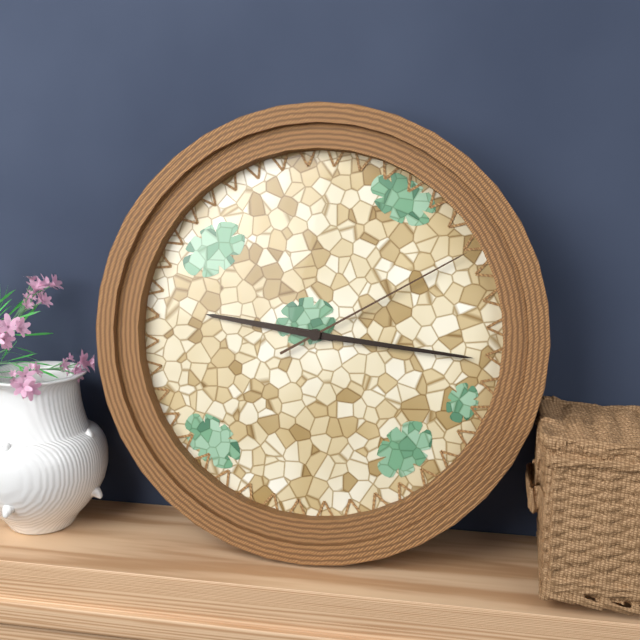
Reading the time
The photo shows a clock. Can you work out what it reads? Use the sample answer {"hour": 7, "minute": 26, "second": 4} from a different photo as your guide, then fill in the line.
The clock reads {"hour": 9, "minute": 16, "second": 10}
